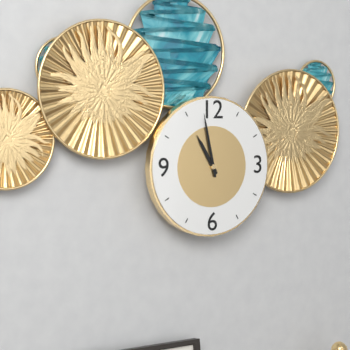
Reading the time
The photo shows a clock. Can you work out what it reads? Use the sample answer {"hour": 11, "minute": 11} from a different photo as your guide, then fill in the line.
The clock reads {"hour": 10, "minute": 58}
